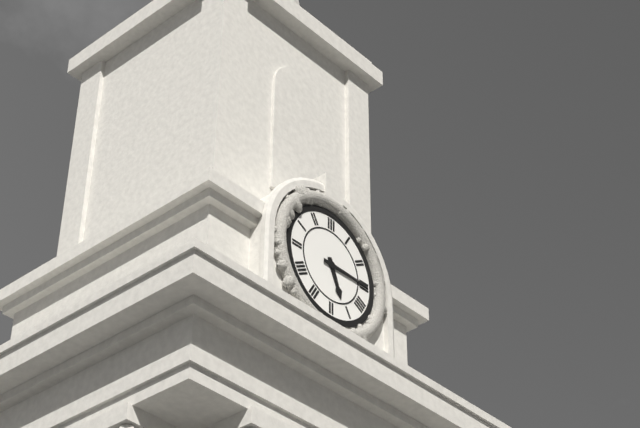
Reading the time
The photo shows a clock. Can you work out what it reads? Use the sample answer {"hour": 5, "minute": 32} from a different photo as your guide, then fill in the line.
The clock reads {"hour": 5, "minute": 15}
